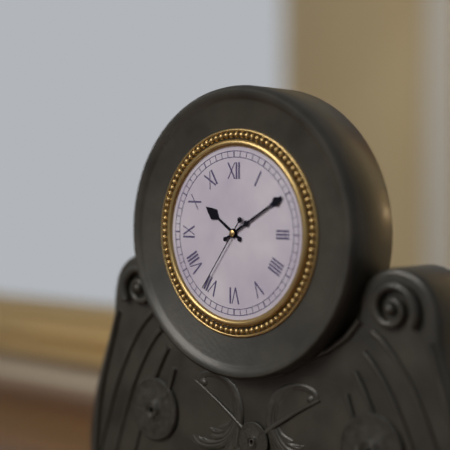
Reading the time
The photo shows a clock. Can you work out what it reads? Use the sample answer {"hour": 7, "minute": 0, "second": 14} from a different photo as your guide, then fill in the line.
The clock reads {"hour": 10, "minute": 10, "second": 36}
